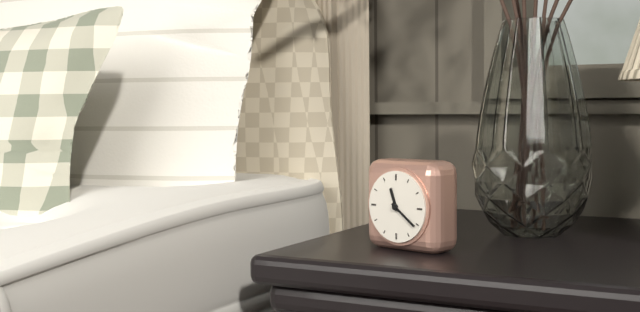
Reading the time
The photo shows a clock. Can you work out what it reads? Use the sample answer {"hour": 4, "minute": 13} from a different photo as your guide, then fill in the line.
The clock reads {"hour": 11, "minute": 21}
